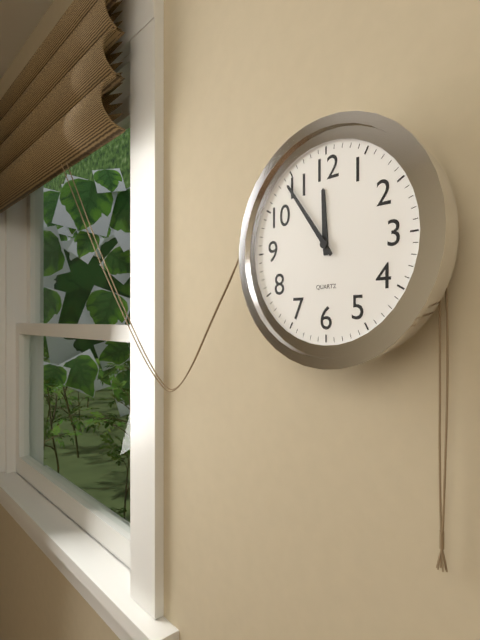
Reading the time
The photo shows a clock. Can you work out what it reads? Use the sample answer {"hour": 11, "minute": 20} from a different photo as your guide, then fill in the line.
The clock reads {"hour": 11, "minute": 54}
